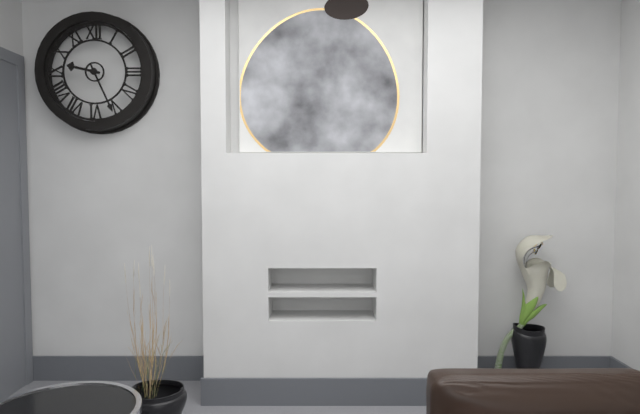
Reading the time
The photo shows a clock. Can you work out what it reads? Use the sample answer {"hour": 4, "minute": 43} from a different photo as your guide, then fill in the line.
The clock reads {"hour": 9, "minute": 26}
